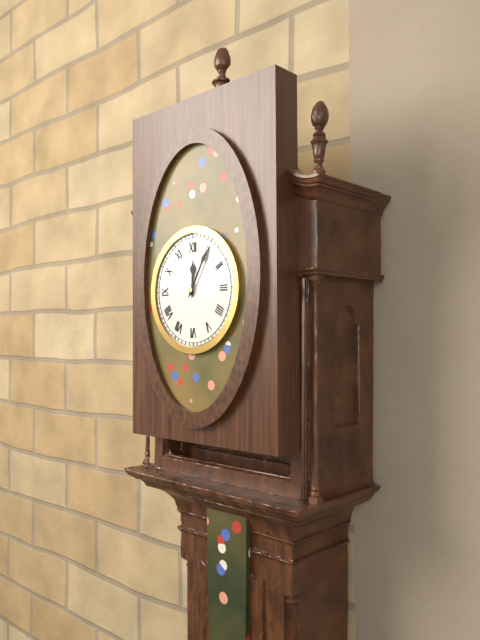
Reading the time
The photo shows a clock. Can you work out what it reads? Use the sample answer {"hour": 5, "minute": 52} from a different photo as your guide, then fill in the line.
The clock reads {"hour": 12, "minute": 5}
